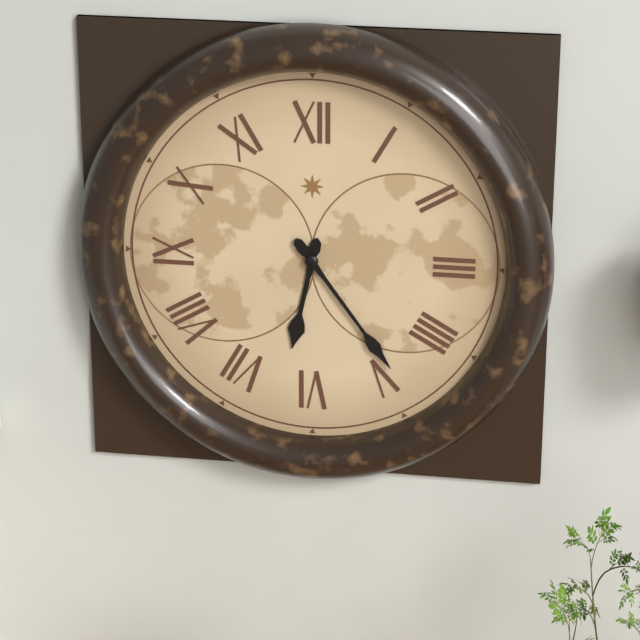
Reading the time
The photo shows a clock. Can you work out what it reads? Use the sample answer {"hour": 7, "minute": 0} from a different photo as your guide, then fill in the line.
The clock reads {"hour": 6, "minute": 24}
